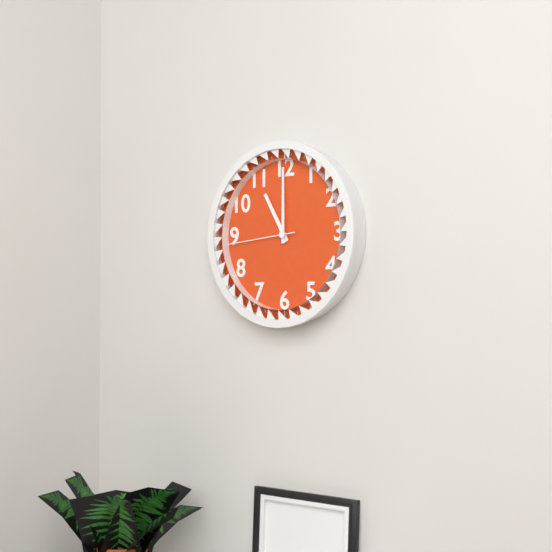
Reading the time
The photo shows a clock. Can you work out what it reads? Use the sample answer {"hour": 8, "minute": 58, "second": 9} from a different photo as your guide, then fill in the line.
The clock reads {"hour": 11, "minute": 0, "second": 44}
